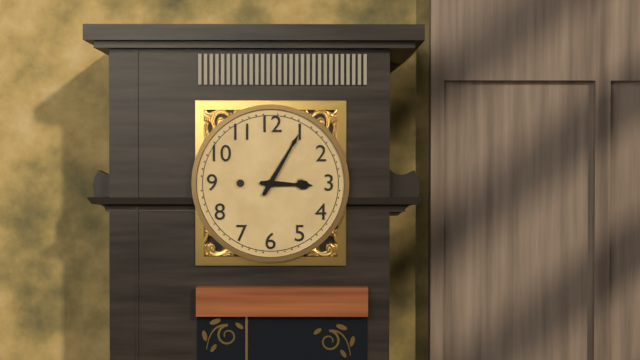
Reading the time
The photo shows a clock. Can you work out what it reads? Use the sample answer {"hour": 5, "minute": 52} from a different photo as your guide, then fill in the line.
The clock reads {"hour": 3, "minute": 5}
